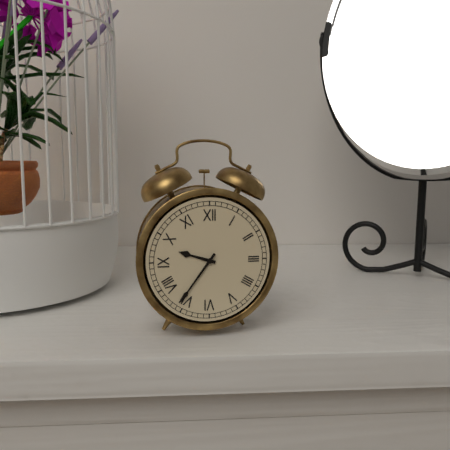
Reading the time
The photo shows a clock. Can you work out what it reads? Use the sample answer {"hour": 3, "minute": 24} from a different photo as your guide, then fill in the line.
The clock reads {"hour": 9, "minute": 36}
